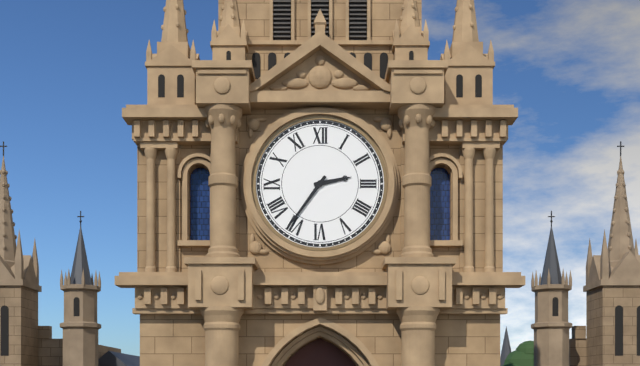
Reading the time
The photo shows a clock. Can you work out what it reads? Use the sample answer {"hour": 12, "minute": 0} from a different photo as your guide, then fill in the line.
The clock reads {"hour": 2, "minute": 36}
